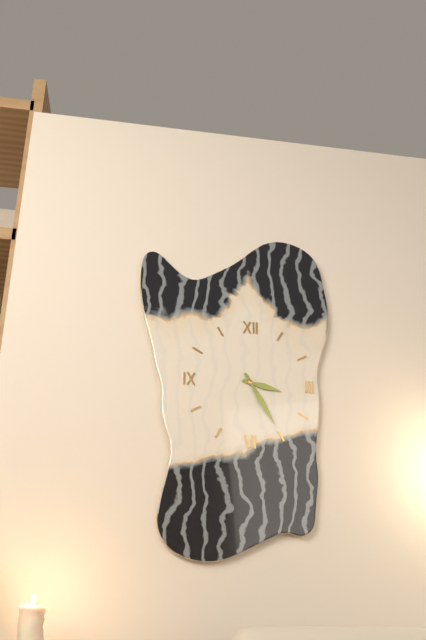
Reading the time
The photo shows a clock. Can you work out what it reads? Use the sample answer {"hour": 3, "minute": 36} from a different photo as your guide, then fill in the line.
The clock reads {"hour": 3, "minute": 25}
